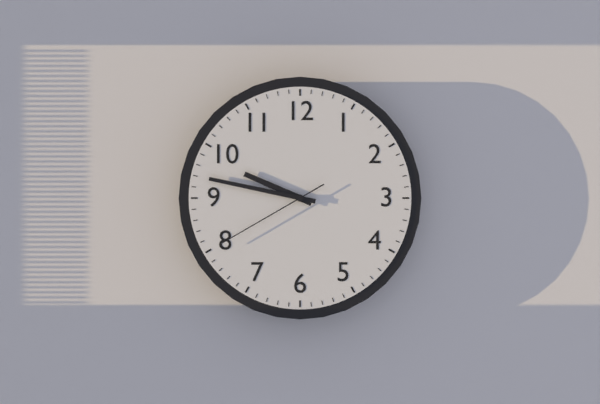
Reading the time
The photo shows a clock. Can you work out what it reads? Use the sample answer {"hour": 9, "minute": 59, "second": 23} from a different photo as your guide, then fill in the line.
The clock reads {"hour": 9, "minute": 47, "second": 40}
